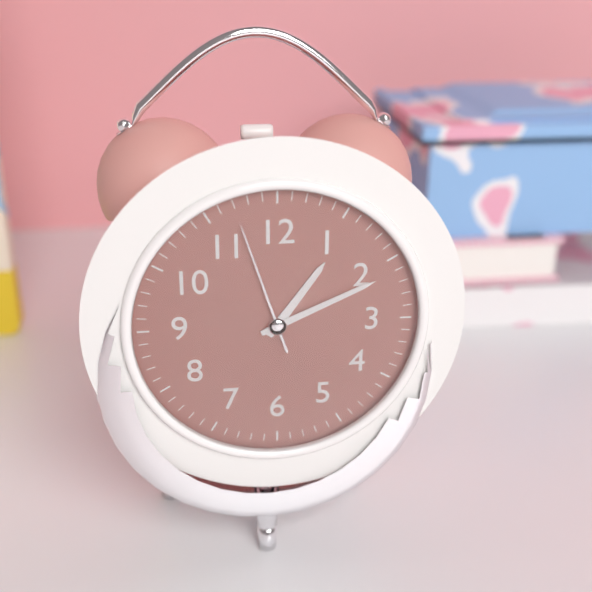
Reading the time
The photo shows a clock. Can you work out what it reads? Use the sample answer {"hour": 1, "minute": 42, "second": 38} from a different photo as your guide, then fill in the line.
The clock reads {"hour": 1, "minute": 11, "second": 57}
